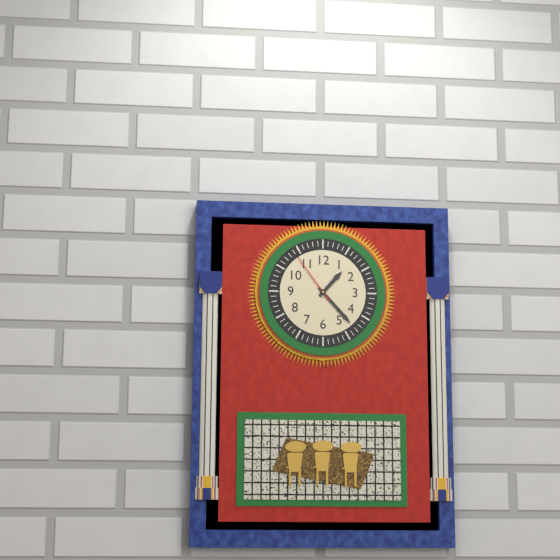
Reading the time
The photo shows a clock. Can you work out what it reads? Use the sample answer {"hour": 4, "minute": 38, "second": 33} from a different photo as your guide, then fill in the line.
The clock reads {"hour": 1, "minute": 23, "second": 54}
